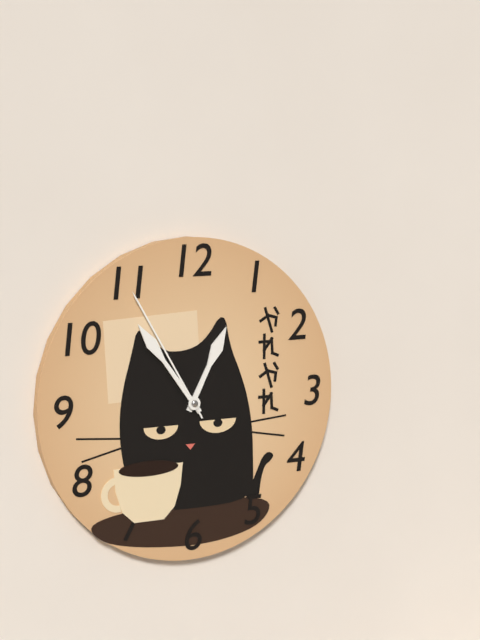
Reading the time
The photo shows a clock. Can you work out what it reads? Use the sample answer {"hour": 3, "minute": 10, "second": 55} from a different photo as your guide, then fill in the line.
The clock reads {"hour": 12, "minute": 54, "second": 55}
